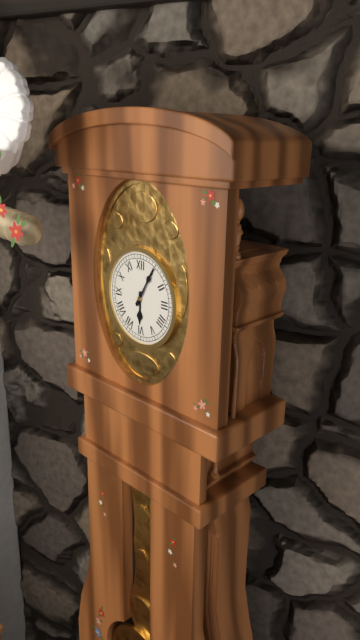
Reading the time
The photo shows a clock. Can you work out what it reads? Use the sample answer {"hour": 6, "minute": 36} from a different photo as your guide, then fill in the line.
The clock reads {"hour": 6, "minute": 5}
